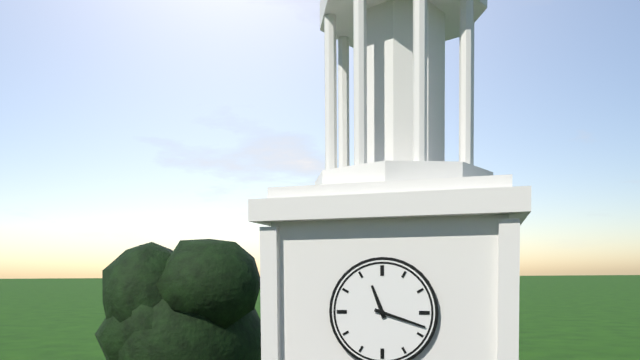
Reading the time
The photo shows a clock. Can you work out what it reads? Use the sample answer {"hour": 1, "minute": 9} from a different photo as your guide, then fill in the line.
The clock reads {"hour": 11, "minute": 18}
